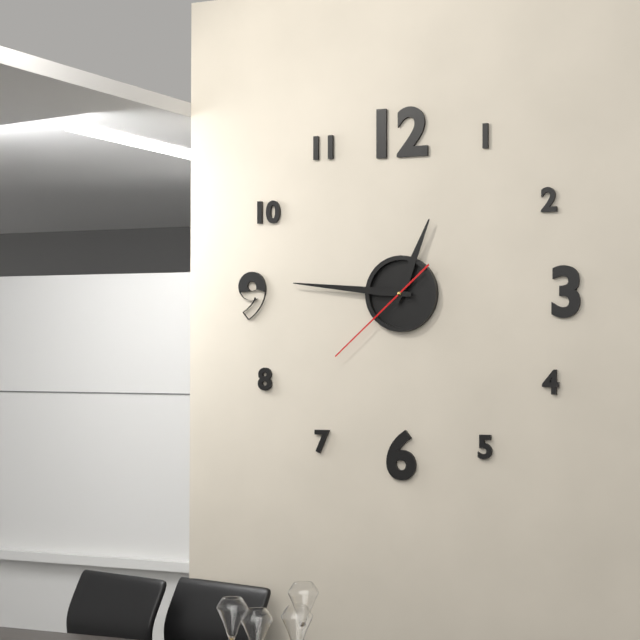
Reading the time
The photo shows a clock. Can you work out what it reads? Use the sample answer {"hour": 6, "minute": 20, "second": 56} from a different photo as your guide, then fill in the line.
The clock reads {"hour": 12, "minute": 46, "second": 38}
